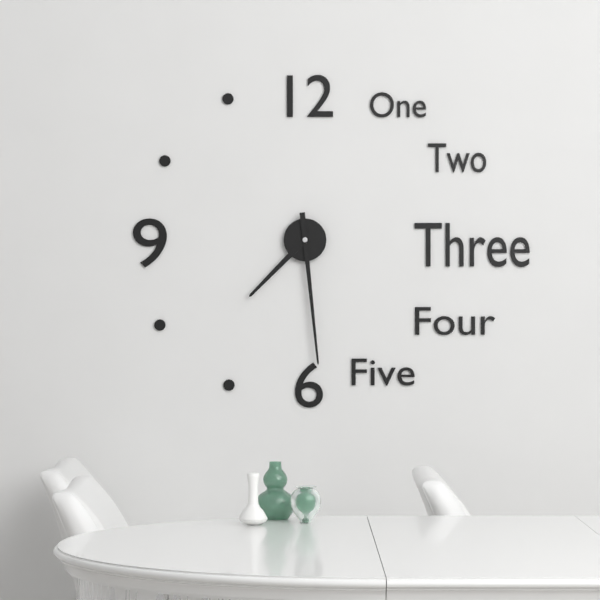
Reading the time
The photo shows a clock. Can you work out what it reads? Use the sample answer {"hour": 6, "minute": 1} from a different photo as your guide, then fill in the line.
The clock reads {"hour": 7, "minute": 29}
